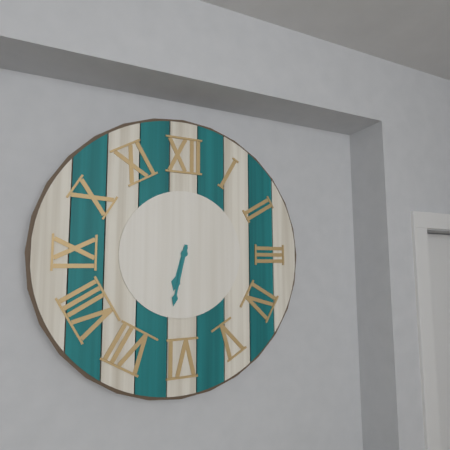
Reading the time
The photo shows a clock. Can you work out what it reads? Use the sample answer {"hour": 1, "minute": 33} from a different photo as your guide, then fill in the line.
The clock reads {"hour": 6, "minute": 32}
